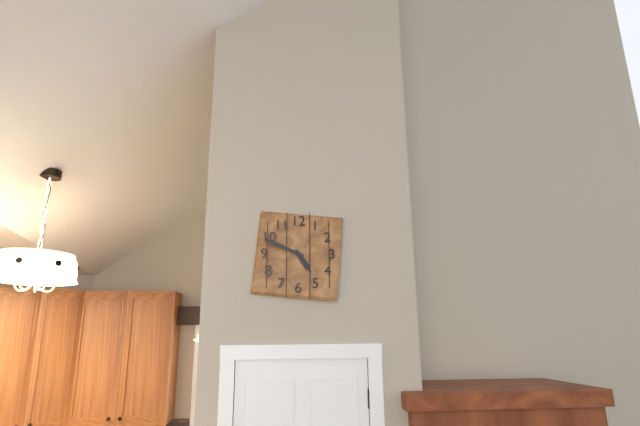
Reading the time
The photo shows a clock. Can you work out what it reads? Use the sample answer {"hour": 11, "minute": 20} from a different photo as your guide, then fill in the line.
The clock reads {"hour": 4, "minute": 49}
